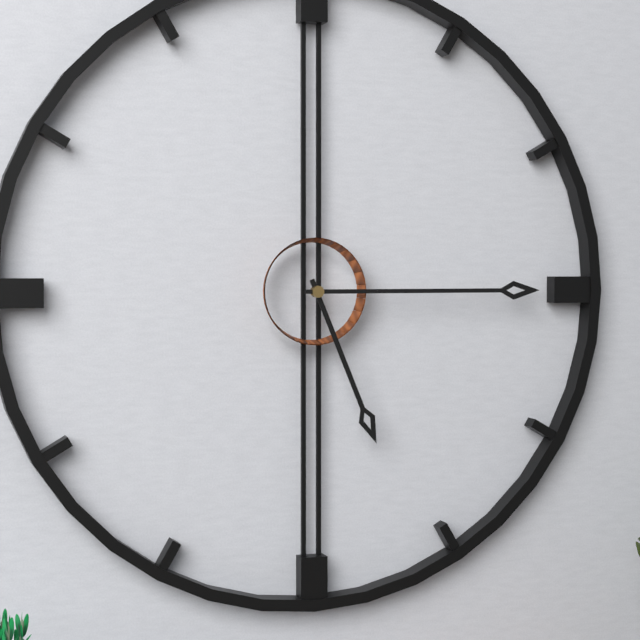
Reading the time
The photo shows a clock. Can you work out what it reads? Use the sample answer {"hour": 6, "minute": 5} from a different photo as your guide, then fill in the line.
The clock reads {"hour": 5, "minute": 15}
